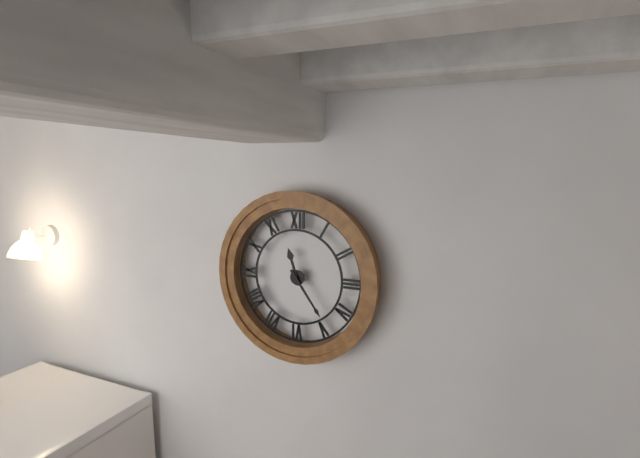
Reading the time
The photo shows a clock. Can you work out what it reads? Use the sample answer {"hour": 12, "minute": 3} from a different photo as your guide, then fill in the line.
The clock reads {"hour": 11, "minute": 24}
